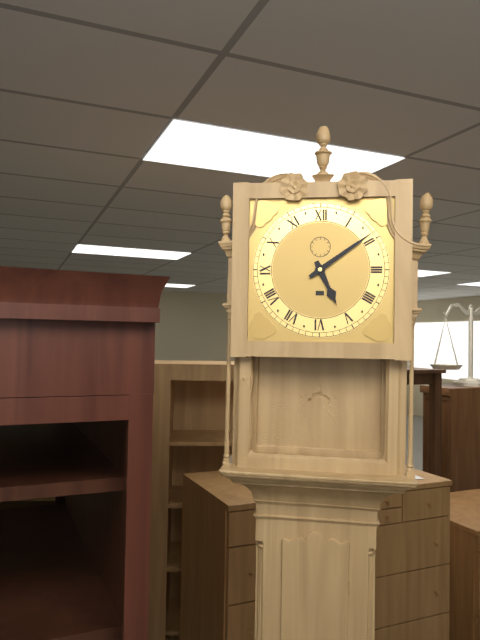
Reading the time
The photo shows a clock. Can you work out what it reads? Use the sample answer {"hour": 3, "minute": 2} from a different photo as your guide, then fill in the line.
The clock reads {"hour": 5, "minute": 9}
